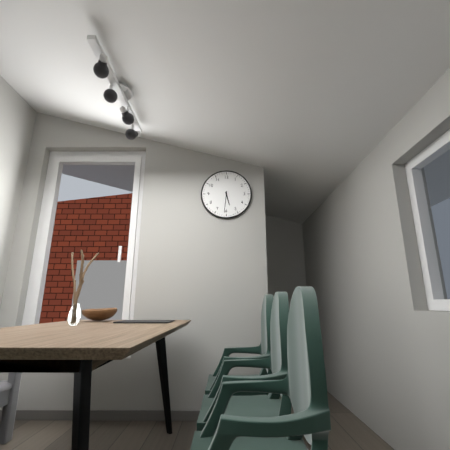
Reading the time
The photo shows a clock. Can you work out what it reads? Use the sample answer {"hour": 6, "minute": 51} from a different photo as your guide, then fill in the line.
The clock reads {"hour": 5, "minute": 31}
